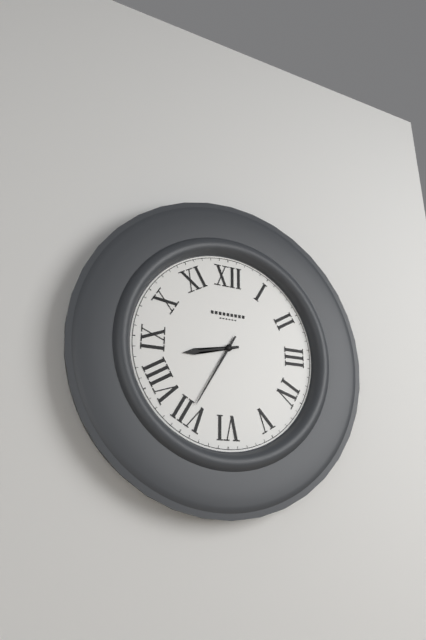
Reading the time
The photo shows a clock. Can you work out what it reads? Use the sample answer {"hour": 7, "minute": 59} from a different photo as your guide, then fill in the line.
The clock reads {"hour": 8, "minute": 35}
